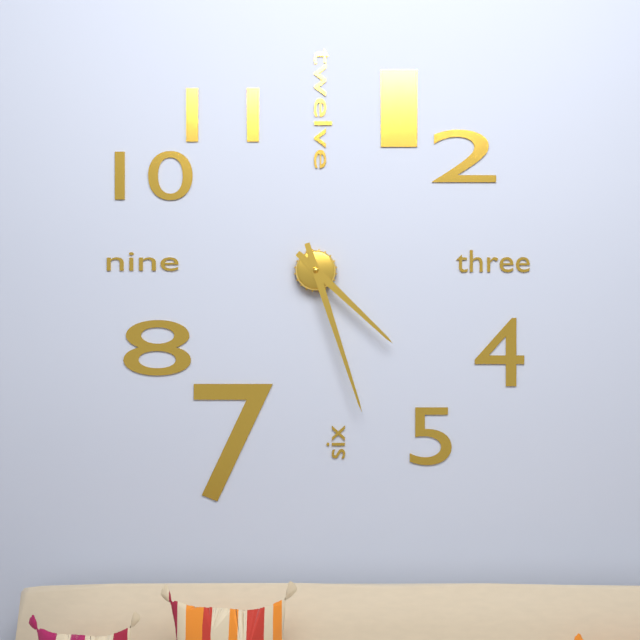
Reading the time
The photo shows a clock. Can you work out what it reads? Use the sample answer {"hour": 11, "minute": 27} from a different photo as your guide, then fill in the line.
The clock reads {"hour": 4, "minute": 27}
